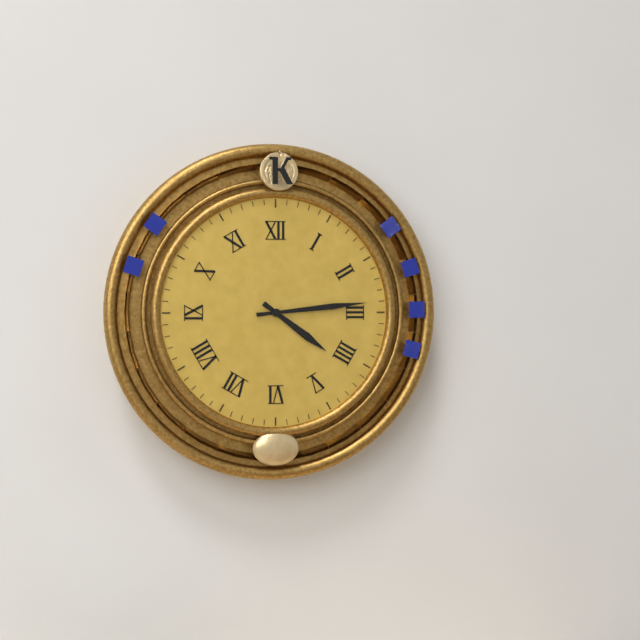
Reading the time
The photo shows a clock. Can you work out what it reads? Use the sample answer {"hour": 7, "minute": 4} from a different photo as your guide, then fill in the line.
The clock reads {"hour": 4, "minute": 14}
